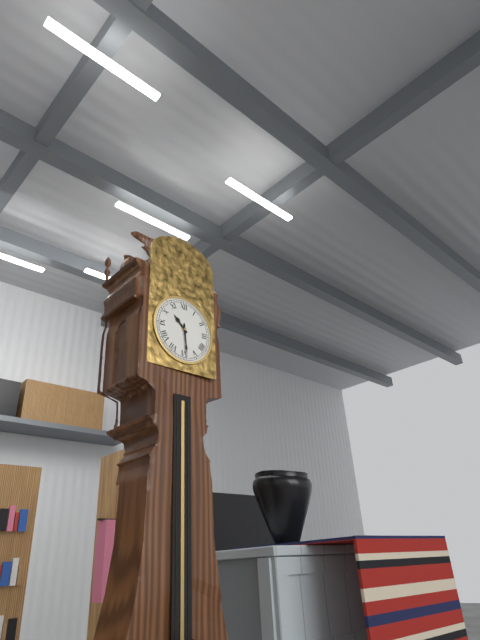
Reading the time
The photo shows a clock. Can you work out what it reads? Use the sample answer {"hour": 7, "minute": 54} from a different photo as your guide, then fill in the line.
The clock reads {"hour": 10, "minute": 29}
